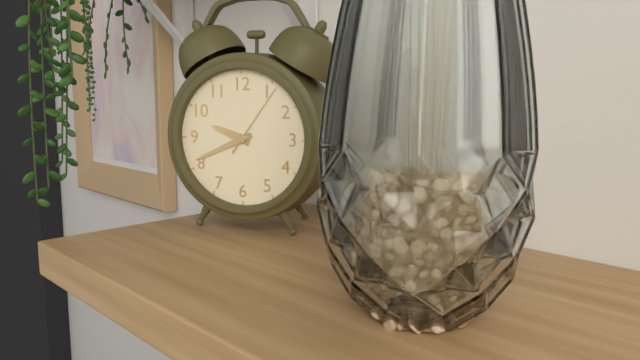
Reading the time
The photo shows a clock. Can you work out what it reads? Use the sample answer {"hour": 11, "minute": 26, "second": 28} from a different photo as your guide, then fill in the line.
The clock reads {"hour": 9, "minute": 41, "second": 6}
